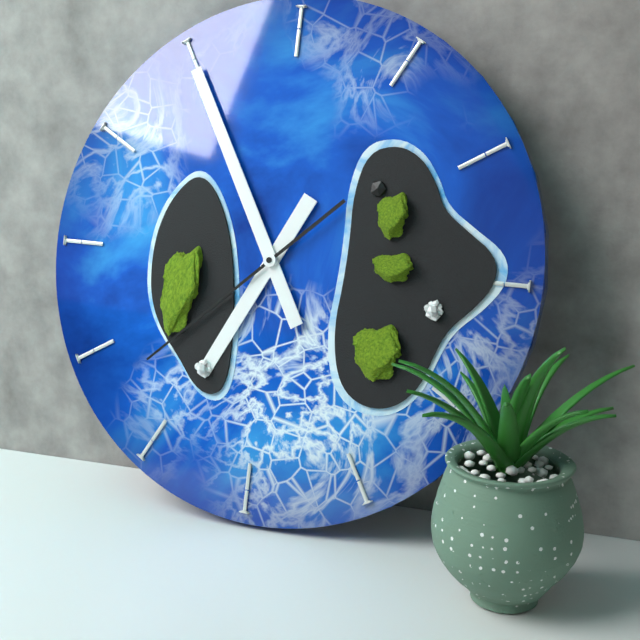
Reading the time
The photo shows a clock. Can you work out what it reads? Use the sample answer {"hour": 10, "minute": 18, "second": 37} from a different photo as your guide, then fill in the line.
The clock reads {"hour": 6, "minute": 55, "second": 38}
